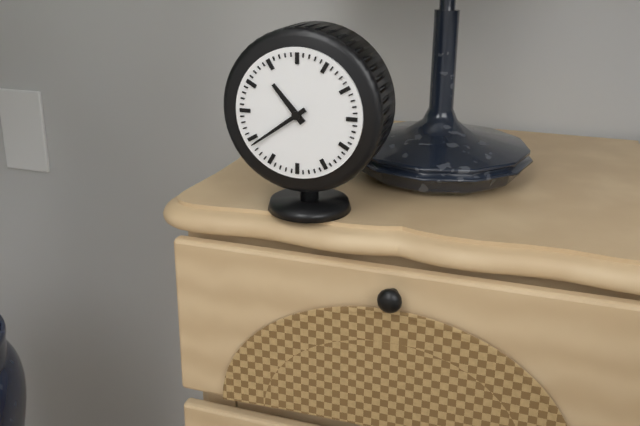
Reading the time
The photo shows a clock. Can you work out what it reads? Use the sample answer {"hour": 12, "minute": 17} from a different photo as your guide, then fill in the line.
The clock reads {"hour": 10, "minute": 39}
